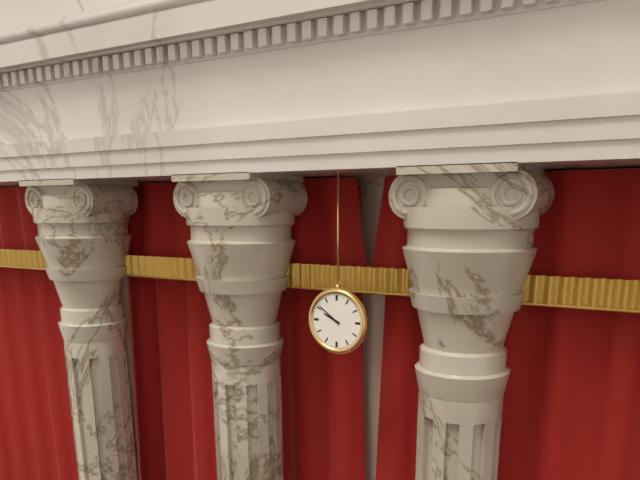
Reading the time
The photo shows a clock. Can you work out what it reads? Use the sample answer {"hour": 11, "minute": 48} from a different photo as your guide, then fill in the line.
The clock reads {"hour": 9, "minute": 51}
